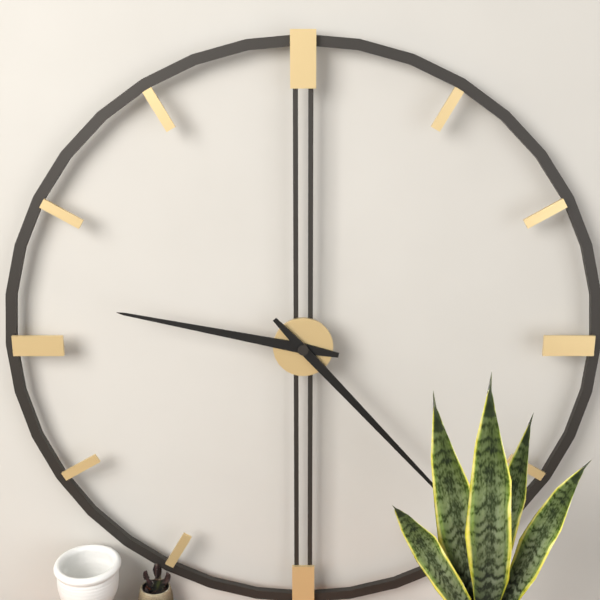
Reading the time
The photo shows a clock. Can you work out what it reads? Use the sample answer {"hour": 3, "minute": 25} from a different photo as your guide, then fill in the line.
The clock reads {"hour": 9, "minute": 23}
